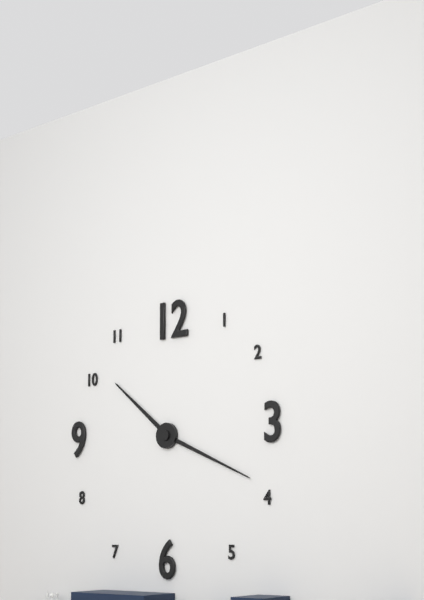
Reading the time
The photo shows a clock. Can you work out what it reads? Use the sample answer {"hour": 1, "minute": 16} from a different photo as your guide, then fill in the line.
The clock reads {"hour": 10, "minute": 19}
